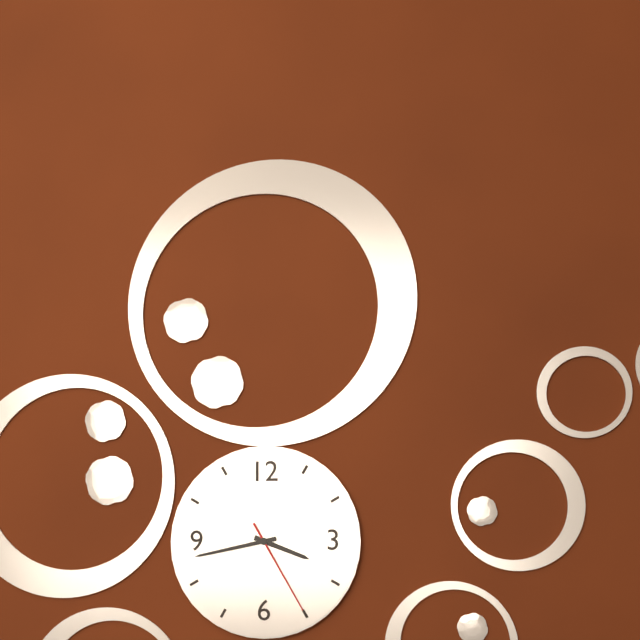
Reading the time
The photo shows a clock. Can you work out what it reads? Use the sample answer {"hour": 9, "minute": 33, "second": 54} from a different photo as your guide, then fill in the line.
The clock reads {"hour": 3, "minute": 43, "second": 25}
